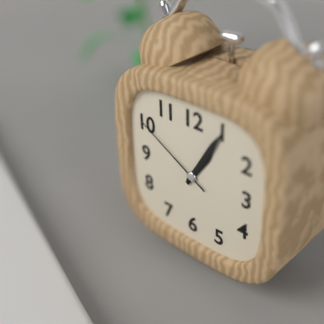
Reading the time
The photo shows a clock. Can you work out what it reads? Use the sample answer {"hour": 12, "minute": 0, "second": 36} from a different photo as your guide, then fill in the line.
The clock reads {"hour": 1, "minute": 5, "second": 50}
